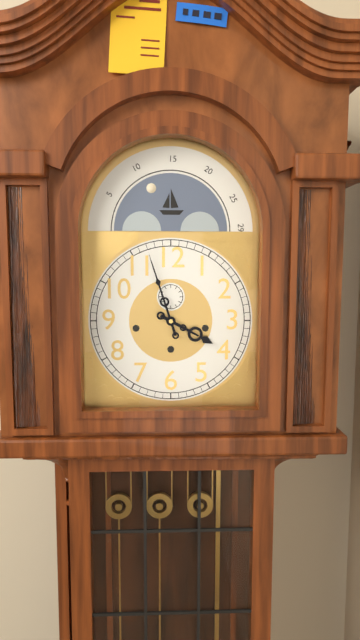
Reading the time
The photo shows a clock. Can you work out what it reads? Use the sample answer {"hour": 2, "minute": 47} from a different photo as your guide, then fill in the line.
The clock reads {"hour": 3, "minute": 57}
